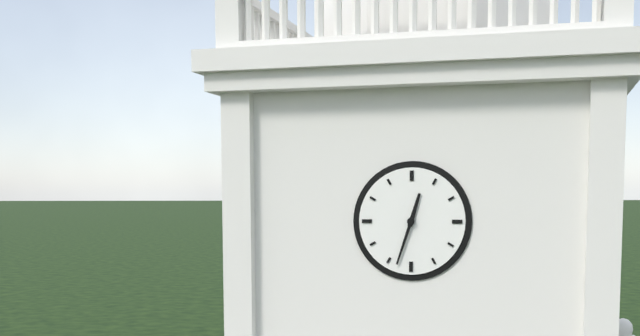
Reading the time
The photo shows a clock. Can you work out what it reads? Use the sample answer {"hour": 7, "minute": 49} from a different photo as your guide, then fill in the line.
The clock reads {"hour": 12, "minute": 33}
